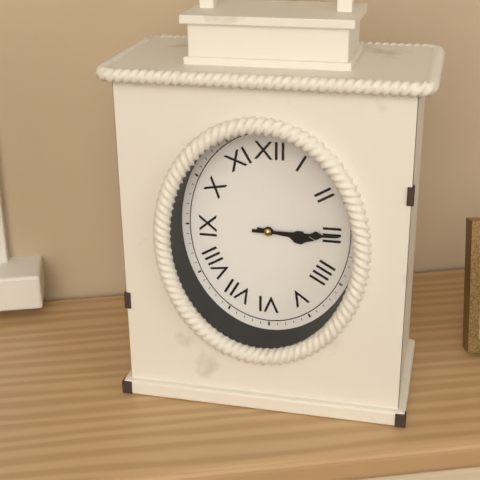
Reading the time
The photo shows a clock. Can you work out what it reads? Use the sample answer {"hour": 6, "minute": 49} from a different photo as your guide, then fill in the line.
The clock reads {"hour": 3, "minute": 15}
